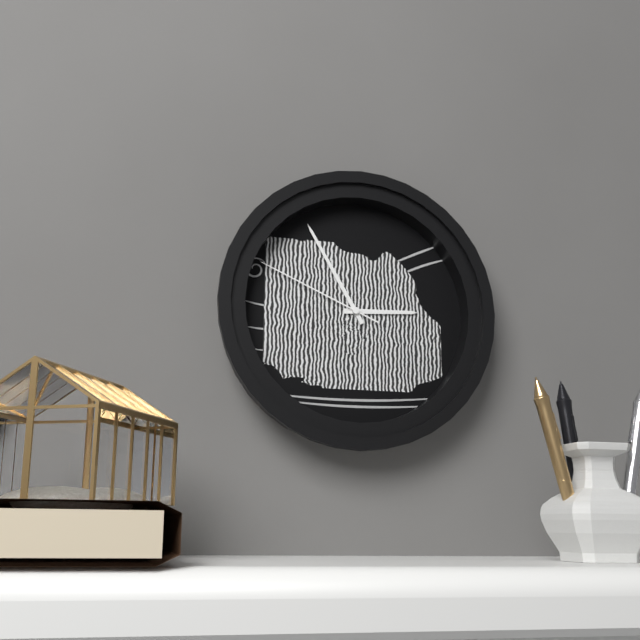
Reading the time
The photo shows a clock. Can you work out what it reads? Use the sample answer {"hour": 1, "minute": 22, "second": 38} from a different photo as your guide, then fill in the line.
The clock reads {"hour": 2, "minute": 55, "second": 49}
